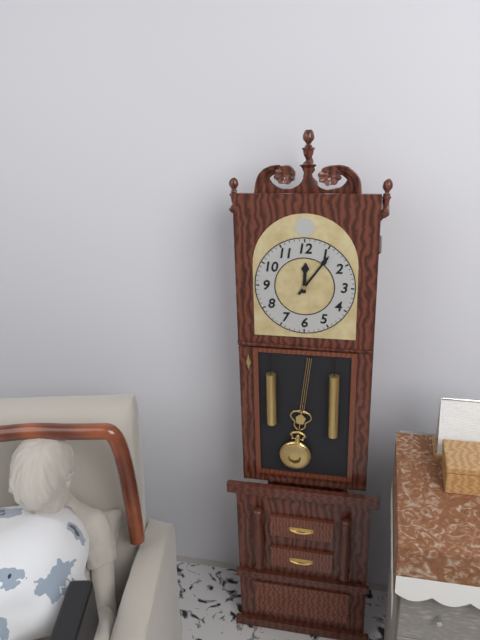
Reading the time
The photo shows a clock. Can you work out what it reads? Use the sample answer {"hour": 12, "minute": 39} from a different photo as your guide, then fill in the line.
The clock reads {"hour": 12, "minute": 6}
